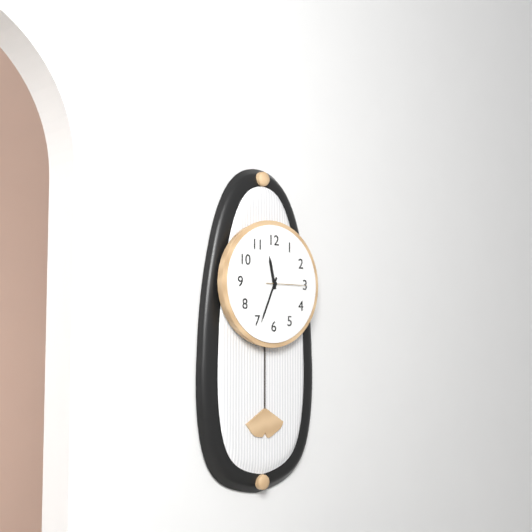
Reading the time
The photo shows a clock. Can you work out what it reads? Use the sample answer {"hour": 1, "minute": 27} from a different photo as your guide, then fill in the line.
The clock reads {"hour": 11, "minute": 34}
